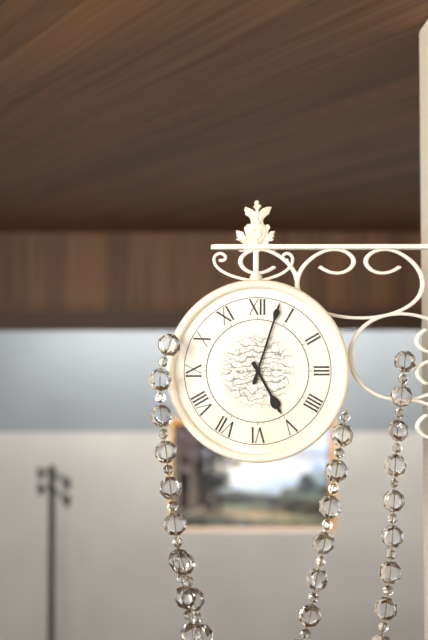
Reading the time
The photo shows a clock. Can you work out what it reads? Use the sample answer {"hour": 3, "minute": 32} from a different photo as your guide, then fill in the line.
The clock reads {"hour": 5, "minute": 3}
